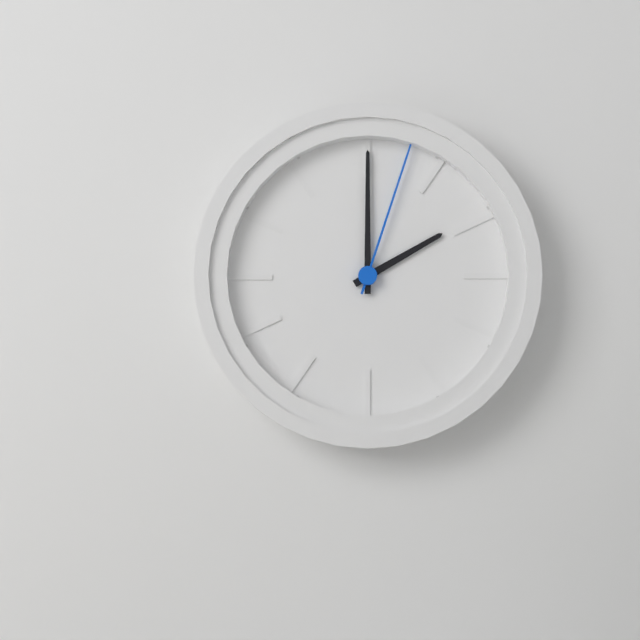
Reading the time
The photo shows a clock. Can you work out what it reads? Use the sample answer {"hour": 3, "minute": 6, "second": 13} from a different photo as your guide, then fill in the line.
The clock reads {"hour": 2, "minute": 0, "second": 3}
